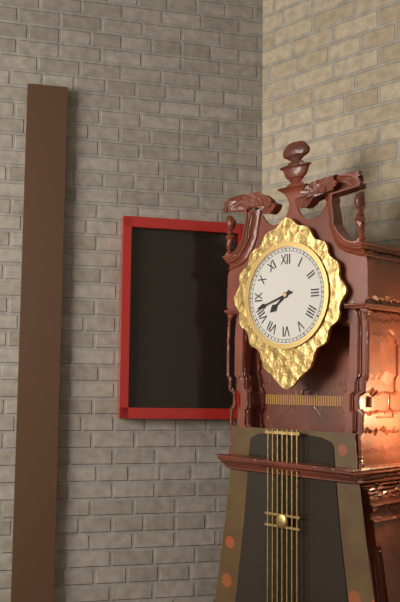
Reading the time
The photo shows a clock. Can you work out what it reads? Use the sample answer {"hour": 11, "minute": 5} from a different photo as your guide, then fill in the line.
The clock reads {"hour": 7, "minute": 42}
